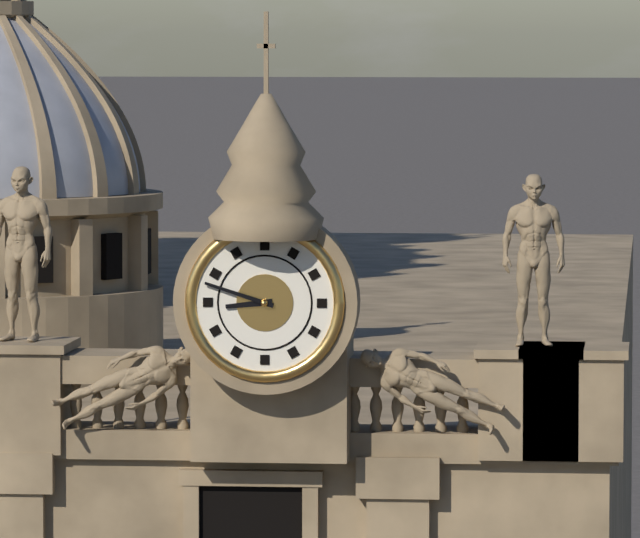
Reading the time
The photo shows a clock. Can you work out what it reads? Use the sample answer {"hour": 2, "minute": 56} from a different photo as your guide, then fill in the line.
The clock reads {"hour": 8, "minute": 48}
